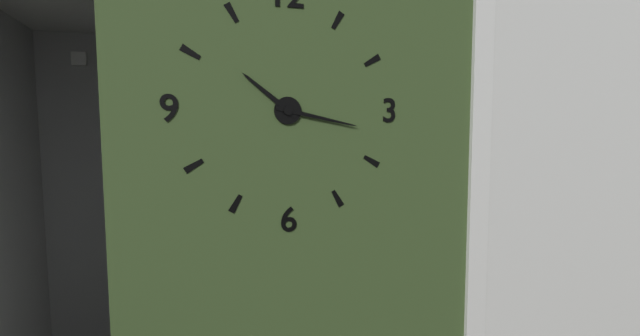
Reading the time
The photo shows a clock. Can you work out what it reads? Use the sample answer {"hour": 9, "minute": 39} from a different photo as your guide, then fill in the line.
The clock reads {"hour": 10, "minute": 17}
